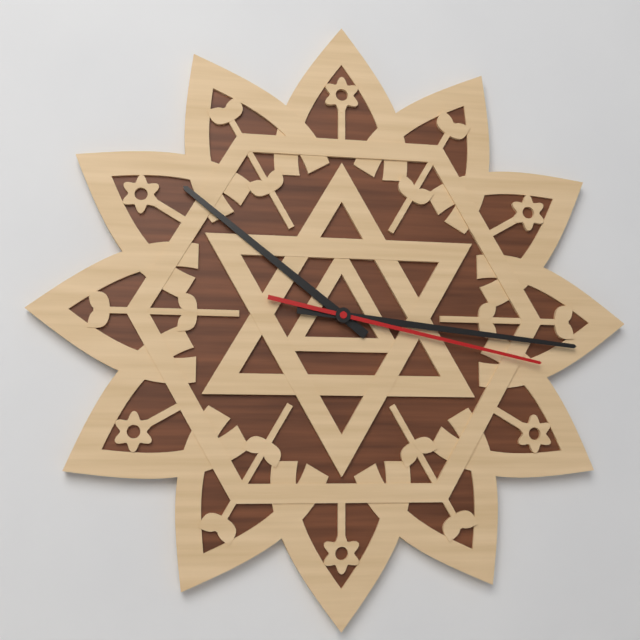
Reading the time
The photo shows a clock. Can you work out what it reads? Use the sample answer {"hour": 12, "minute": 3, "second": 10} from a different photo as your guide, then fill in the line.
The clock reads {"hour": 10, "minute": 16, "second": 17}
